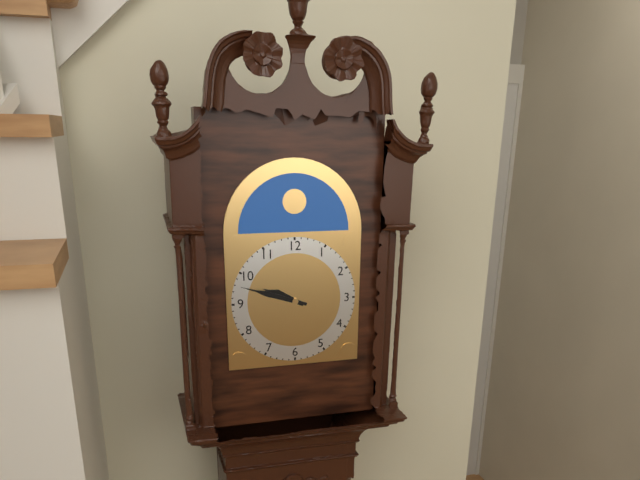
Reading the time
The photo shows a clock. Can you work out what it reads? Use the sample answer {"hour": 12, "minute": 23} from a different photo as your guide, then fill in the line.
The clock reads {"hour": 9, "minute": 48}
